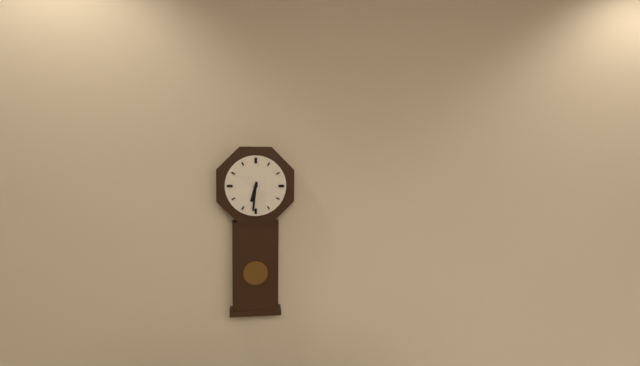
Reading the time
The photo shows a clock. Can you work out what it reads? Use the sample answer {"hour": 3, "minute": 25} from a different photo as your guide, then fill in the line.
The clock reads {"hour": 6, "minute": 31}
